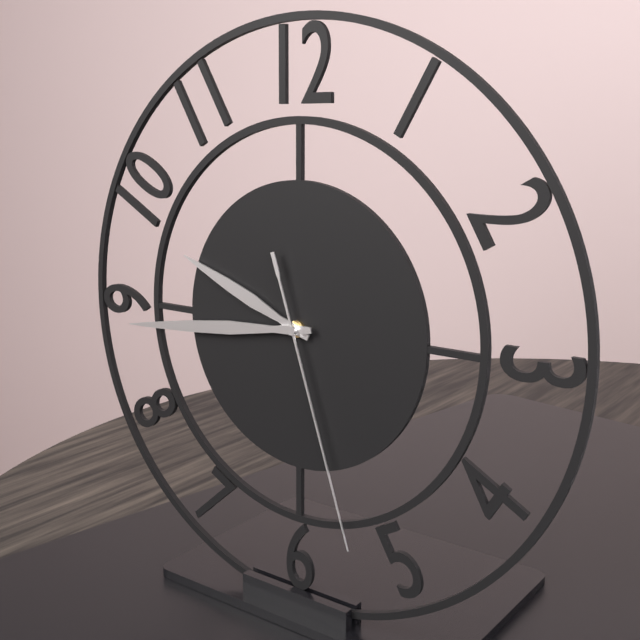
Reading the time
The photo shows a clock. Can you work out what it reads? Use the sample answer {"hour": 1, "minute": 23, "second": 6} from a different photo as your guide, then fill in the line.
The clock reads {"hour": 9, "minute": 44, "second": 27}
